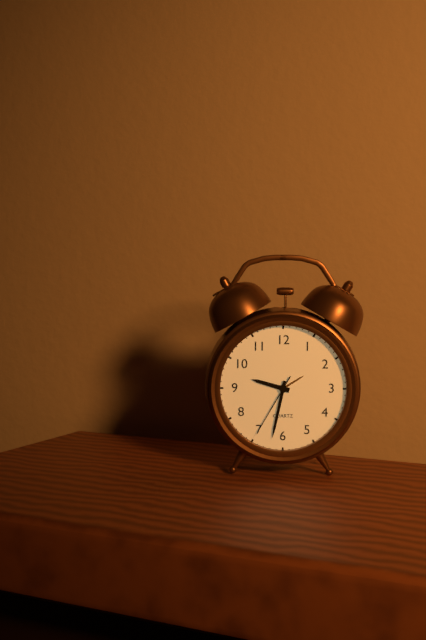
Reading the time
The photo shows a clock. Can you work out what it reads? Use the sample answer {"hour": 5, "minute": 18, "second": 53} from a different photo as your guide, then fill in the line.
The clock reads {"hour": 9, "minute": 32, "second": 35}
